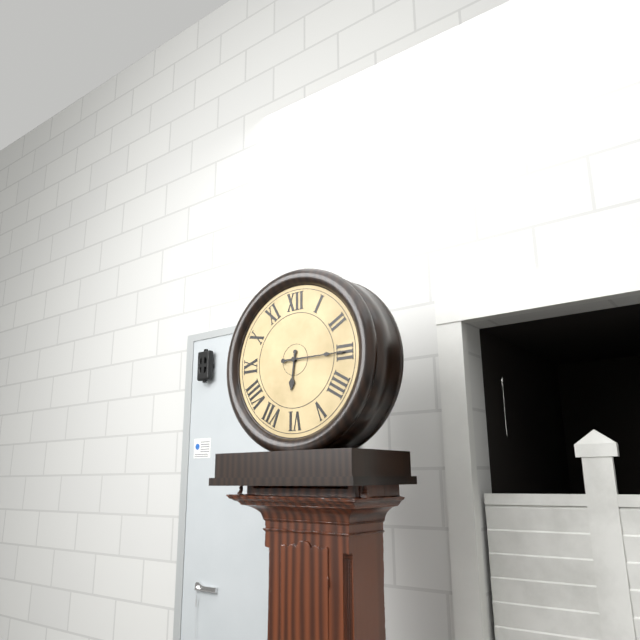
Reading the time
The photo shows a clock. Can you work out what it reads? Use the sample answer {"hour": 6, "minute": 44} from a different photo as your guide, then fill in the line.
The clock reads {"hour": 6, "minute": 15}
